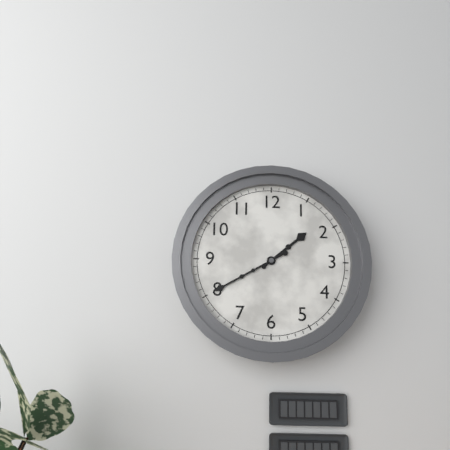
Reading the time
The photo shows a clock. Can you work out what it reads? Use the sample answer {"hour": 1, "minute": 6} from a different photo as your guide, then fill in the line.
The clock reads {"hour": 1, "minute": 40}
